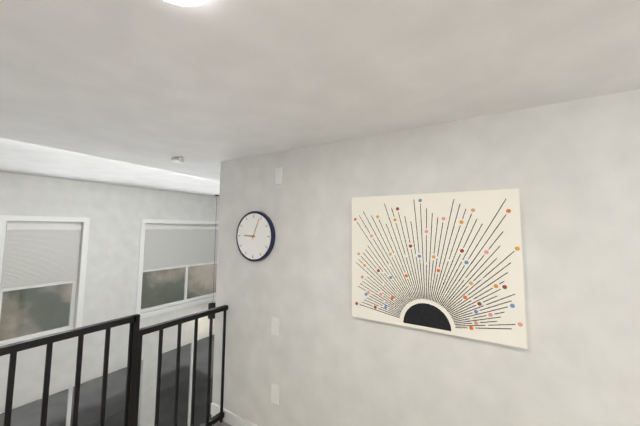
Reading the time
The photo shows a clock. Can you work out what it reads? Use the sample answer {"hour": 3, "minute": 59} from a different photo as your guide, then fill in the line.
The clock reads {"hour": 9, "minute": 4}
